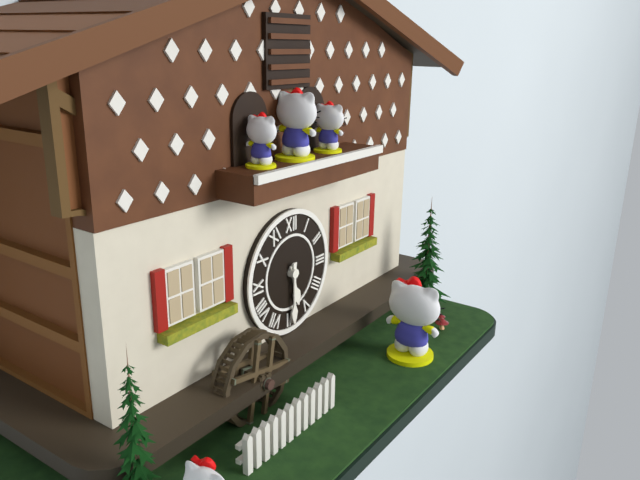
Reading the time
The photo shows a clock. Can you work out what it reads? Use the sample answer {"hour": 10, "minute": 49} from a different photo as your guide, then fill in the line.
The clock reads {"hour": 5, "minute": 30}
